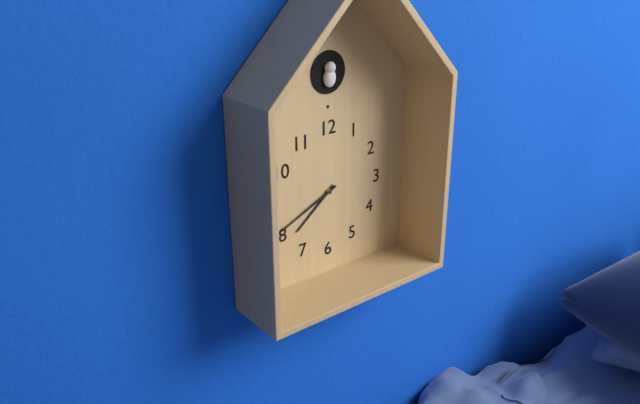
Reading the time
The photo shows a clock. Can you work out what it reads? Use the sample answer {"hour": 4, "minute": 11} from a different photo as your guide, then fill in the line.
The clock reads {"hour": 7, "minute": 41}
